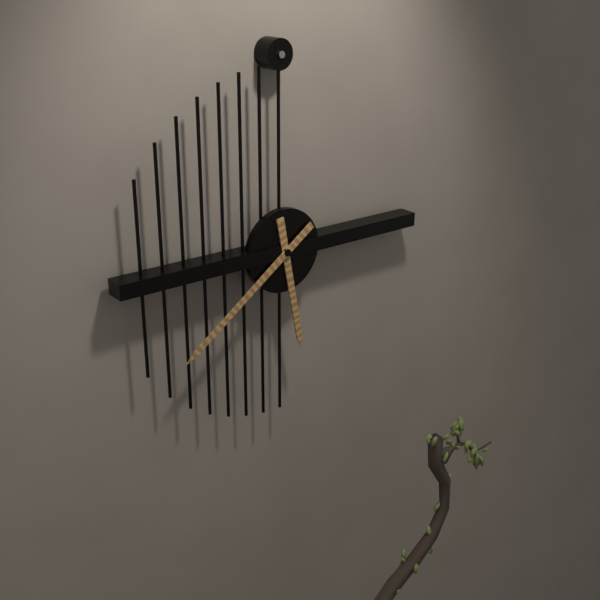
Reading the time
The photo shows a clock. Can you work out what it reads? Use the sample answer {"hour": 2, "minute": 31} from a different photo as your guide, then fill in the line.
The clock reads {"hour": 5, "minute": 39}
